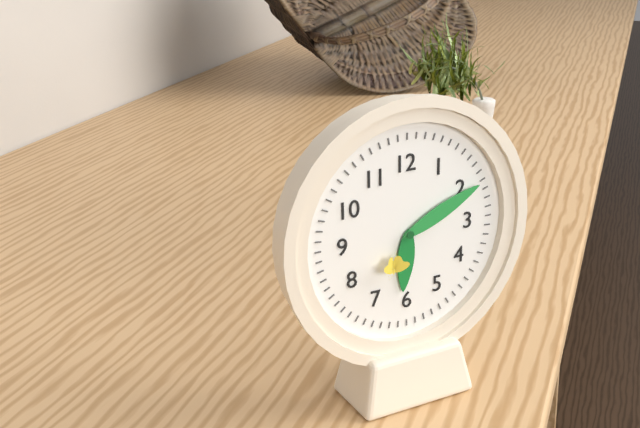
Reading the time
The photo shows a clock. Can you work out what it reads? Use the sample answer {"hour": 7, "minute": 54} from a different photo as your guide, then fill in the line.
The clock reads {"hour": 6, "minute": 11}
